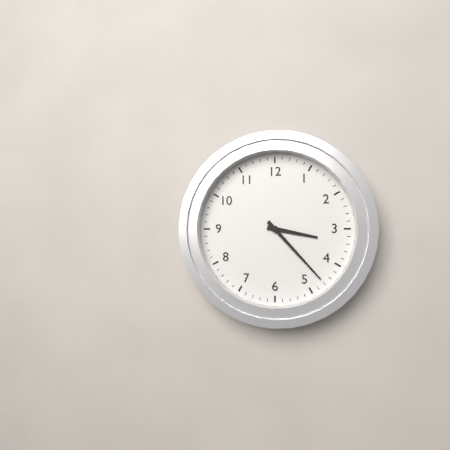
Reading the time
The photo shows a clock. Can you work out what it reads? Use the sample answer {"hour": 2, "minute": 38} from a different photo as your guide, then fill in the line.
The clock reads {"hour": 3, "minute": 23}
